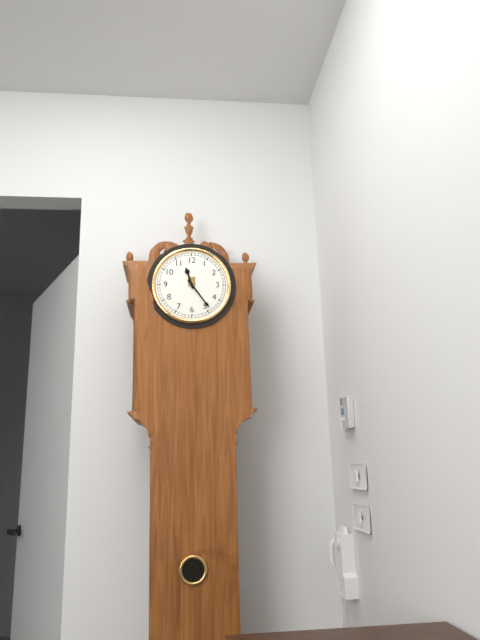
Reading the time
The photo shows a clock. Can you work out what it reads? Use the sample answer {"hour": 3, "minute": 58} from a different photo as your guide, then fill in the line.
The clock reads {"hour": 11, "minute": 24}
